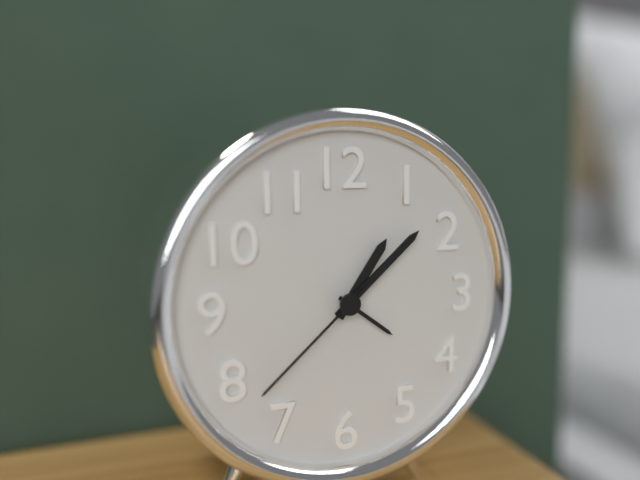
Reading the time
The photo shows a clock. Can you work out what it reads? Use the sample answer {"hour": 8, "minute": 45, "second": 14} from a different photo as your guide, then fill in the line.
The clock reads {"hour": 1, "minute": 8, "second": 38}
